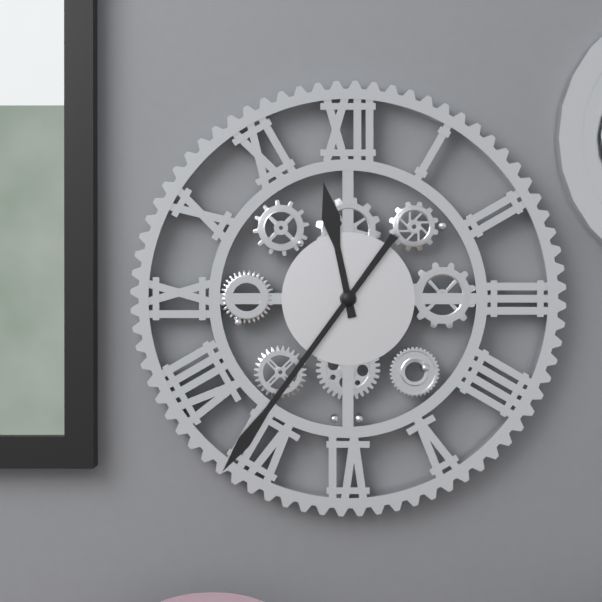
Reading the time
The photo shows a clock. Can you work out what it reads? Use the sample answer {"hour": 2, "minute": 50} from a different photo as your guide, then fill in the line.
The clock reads {"hour": 11, "minute": 36}
